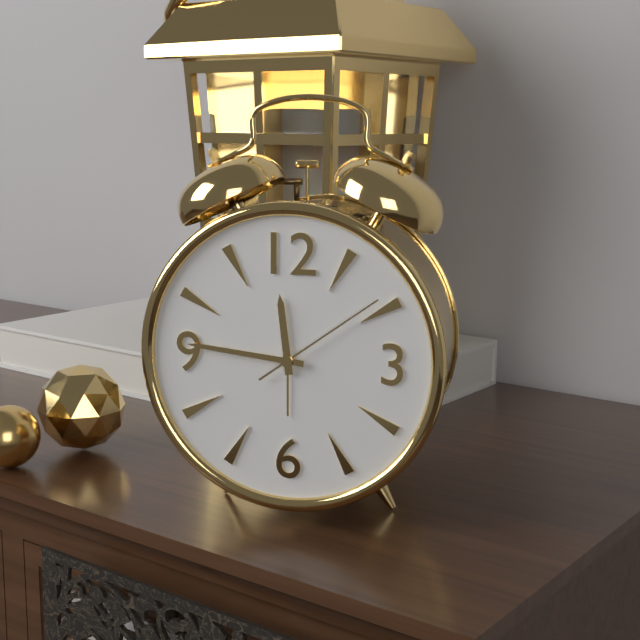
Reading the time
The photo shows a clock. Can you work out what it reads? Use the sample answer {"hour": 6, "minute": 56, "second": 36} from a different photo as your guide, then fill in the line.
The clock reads {"hour": 11, "minute": 46, "second": 9}
